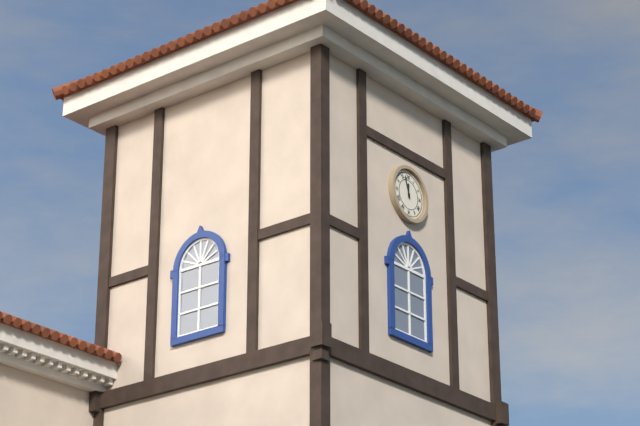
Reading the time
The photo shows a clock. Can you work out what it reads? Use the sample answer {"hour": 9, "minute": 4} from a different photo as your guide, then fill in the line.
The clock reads {"hour": 11, "minute": 57}
